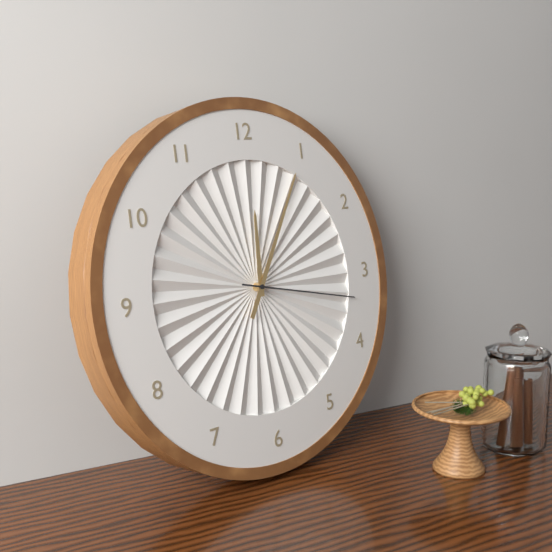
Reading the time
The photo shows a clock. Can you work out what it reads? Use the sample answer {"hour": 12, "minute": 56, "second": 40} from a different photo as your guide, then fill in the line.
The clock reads {"hour": 12, "minute": 5, "second": 17}
